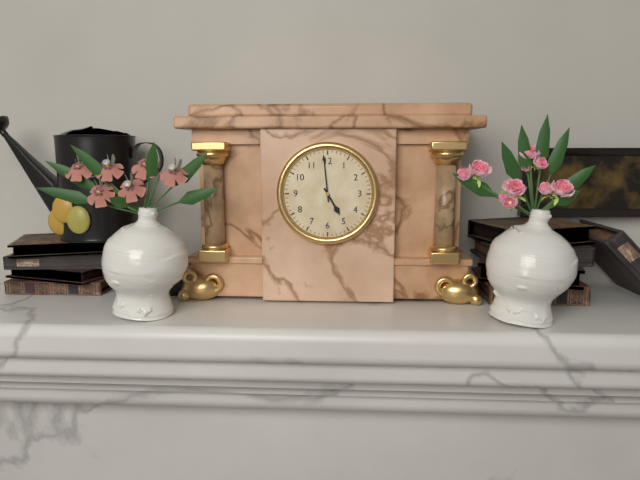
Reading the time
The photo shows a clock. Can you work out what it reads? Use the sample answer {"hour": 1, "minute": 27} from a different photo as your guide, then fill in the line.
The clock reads {"hour": 4, "minute": 59}
